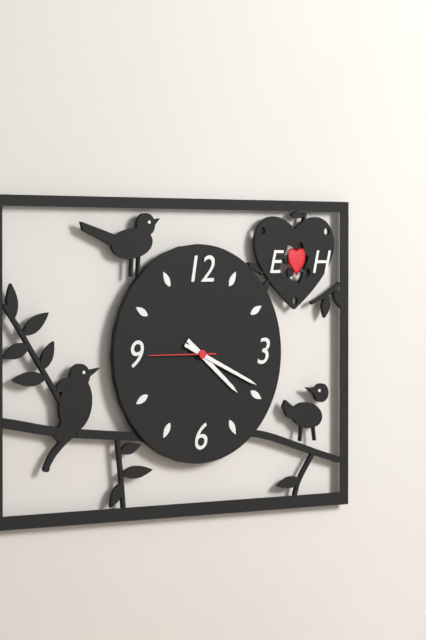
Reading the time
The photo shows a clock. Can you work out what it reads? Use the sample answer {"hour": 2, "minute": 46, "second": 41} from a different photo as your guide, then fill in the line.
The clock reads {"hour": 4, "minute": 19, "second": 45}
